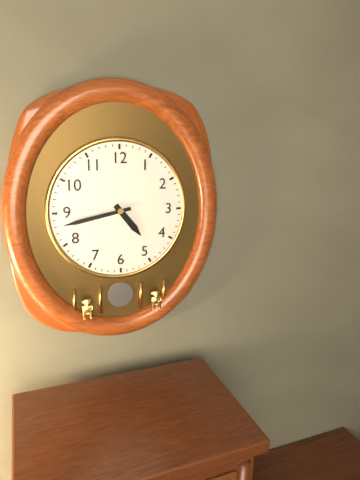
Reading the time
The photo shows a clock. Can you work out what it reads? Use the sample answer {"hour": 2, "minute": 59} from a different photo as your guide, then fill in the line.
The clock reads {"hour": 4, "minute": 43}
